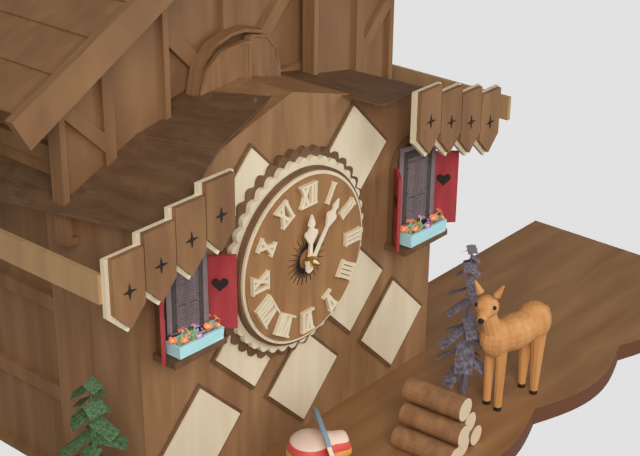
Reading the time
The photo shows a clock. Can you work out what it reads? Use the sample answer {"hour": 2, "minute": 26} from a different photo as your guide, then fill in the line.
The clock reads {"hour": 12, "minute": 6}
